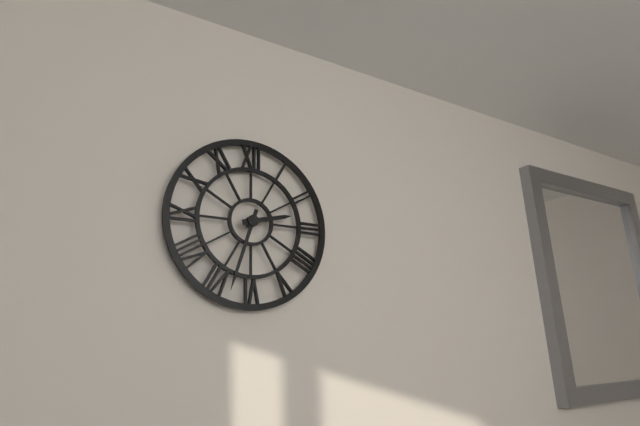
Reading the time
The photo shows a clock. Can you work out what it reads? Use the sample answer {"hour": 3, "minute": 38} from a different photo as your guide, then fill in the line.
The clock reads {"hour": 2, "minute": 33}
